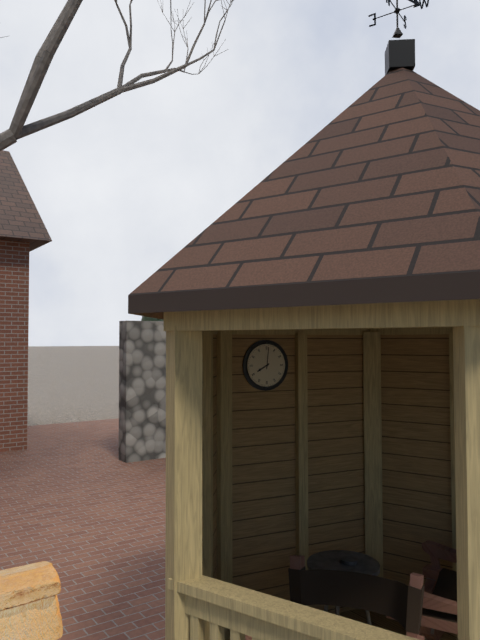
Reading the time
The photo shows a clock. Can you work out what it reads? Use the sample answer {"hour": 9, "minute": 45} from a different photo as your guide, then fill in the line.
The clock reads {"hour": 8, "minute": 1}
